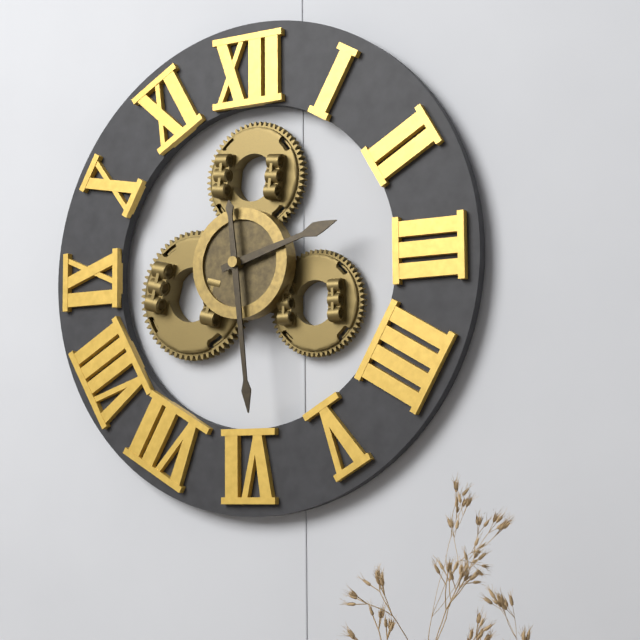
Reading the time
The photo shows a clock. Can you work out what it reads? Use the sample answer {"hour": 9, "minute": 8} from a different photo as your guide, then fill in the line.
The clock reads {"hour": 2, "minute": 29}
